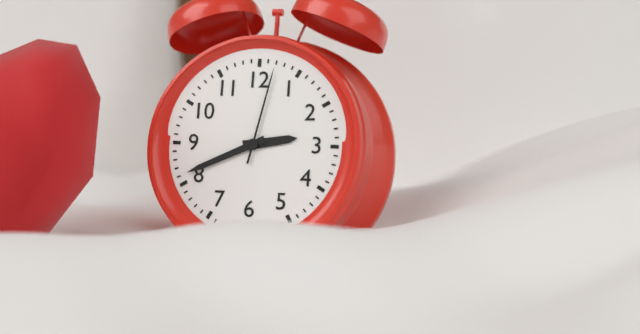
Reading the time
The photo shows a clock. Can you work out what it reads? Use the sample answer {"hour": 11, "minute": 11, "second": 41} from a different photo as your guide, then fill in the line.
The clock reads {"hour": 2, "minute": 41, "second": 2}
